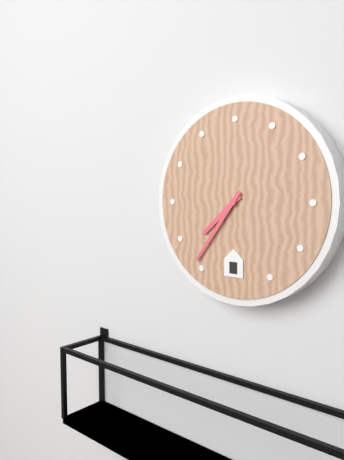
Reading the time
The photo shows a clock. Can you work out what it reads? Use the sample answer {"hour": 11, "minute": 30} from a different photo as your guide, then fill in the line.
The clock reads {"hour": 7, "minute": 36}
